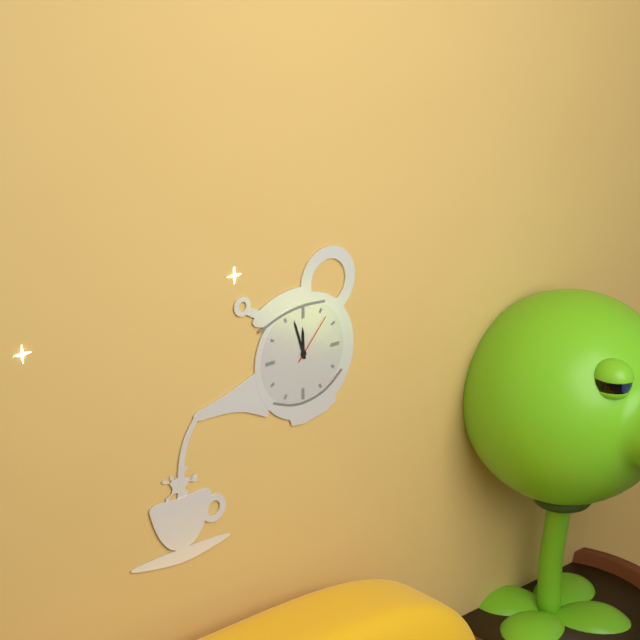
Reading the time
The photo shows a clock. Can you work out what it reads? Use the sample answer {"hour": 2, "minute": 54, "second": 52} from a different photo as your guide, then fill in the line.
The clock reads {"hour": 11, "minute": 57, "second": 7}
